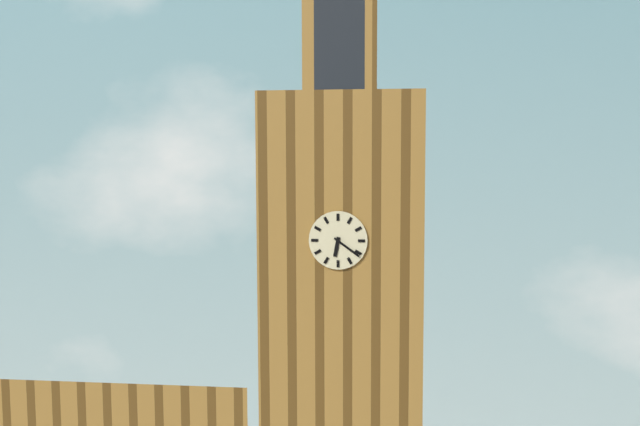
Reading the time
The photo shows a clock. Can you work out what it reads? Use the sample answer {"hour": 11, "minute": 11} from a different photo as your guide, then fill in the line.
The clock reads {"hour": 6, "minute": 21}
